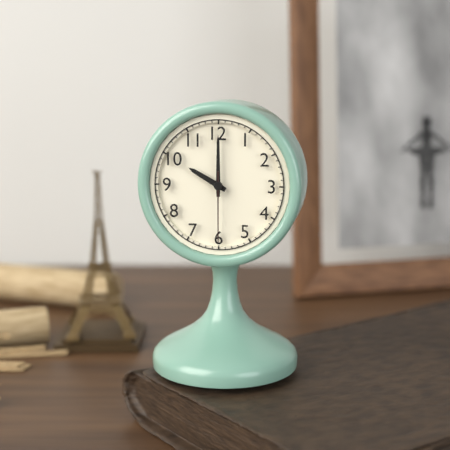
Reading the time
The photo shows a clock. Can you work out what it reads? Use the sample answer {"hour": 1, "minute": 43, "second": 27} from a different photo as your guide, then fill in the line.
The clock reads {"hour": 10, "minute": 0, "second": 30}
